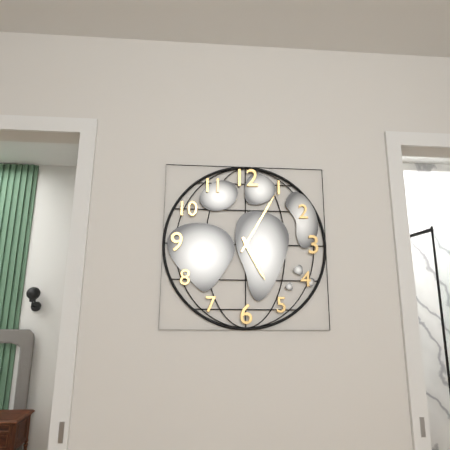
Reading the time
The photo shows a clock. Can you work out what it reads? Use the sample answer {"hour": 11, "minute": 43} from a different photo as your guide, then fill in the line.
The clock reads {"hour": 5, "minute": 5}
